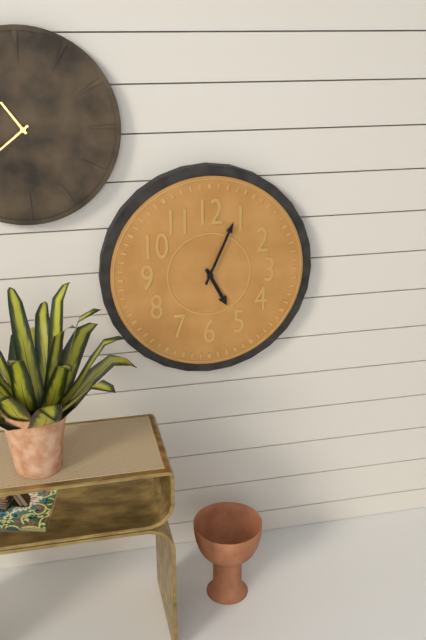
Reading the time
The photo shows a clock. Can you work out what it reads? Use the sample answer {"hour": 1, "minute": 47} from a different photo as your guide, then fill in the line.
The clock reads {"hour": 5, "minute": 4}
